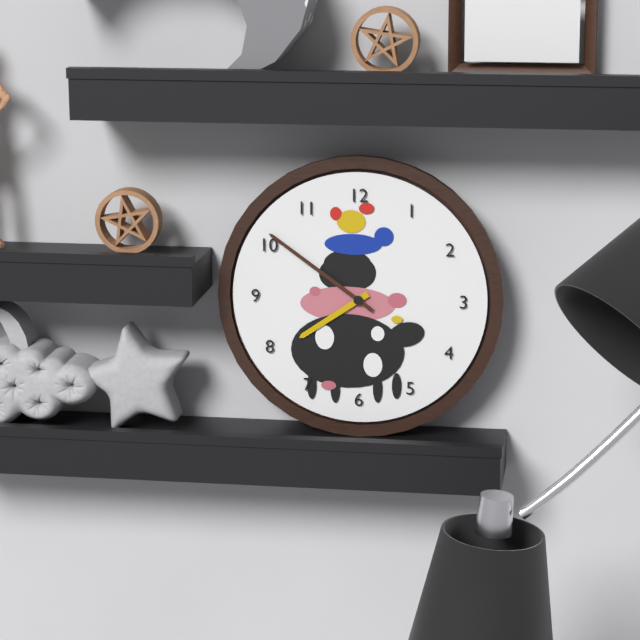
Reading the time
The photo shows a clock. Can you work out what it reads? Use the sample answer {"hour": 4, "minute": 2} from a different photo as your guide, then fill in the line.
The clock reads {"hour": 7, "minute": 51}
